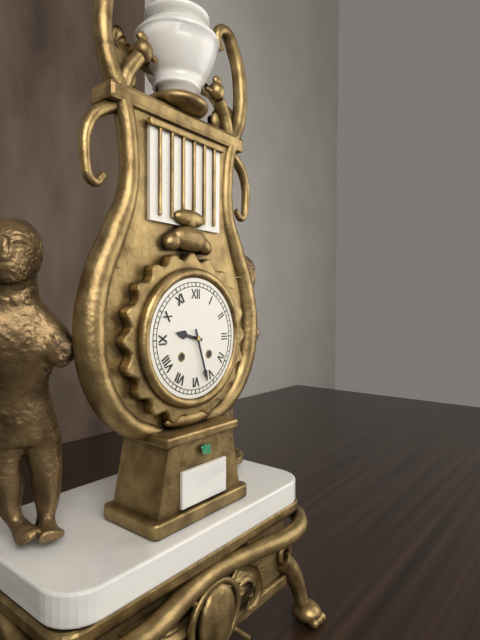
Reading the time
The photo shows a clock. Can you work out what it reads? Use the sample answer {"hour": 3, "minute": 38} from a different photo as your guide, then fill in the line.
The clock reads {"hour": 9, "minute": 27}
